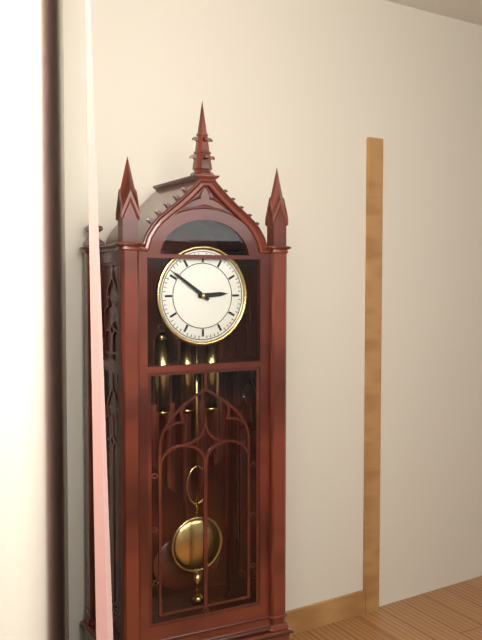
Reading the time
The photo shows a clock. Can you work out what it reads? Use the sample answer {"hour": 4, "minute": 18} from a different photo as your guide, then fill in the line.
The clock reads {"hour": 2, "minute": 51}
